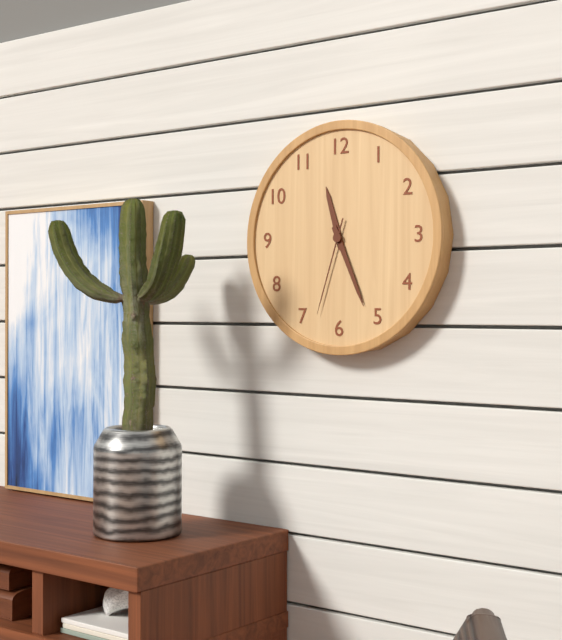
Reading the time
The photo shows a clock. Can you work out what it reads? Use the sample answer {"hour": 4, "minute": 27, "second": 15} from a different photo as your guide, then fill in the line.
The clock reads {"hour": 11, "minute": 26, "second": 33}
